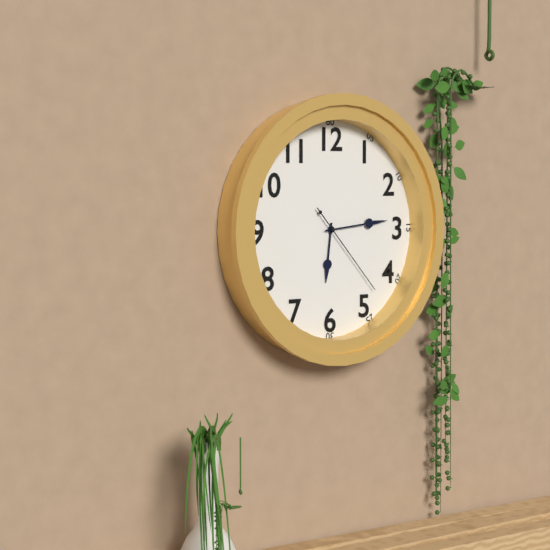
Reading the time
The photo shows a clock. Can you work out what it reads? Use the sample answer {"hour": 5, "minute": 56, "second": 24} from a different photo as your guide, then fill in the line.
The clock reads {"hour": 6, "minute": 14, "second": 23}
